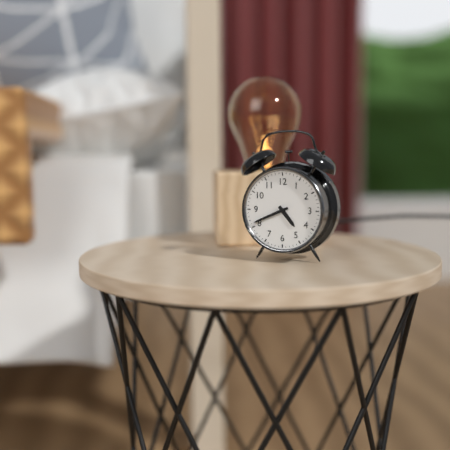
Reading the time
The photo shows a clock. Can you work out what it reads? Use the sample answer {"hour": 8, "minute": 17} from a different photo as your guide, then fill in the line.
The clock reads {"hour": 4, "minute": 41}
